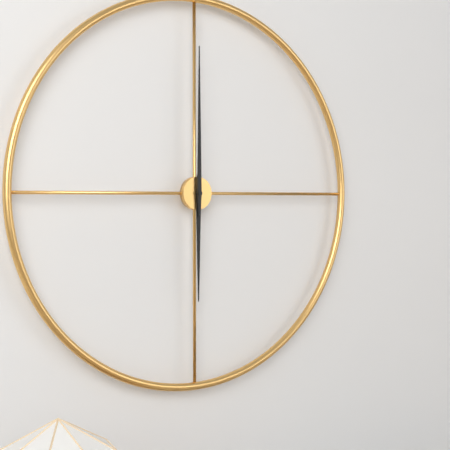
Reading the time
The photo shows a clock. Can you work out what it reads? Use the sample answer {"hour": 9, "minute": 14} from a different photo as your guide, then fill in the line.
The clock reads {"hour": 6, "minute": 0}
